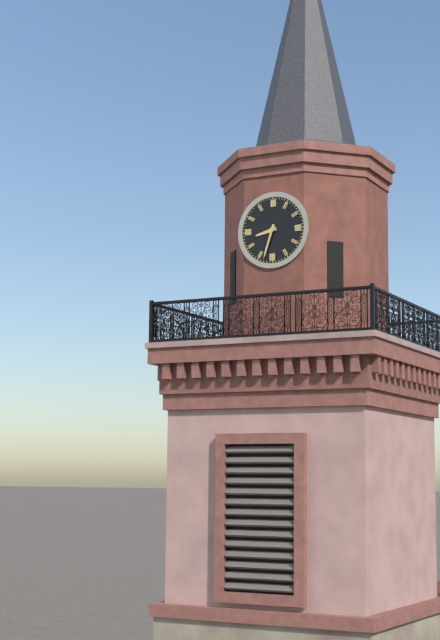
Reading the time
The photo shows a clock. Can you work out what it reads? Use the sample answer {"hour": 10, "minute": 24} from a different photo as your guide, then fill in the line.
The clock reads {"hour": 8, "minute": 33}
